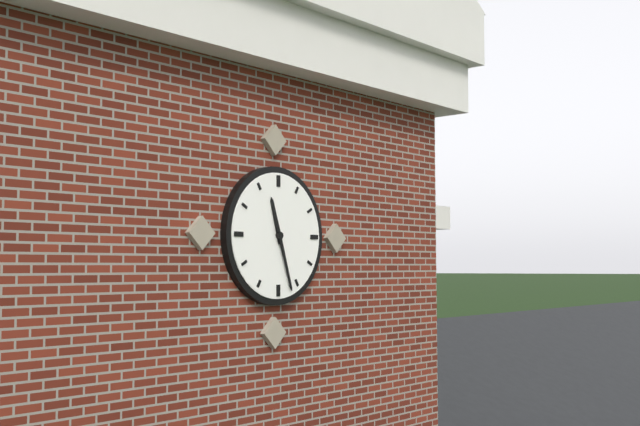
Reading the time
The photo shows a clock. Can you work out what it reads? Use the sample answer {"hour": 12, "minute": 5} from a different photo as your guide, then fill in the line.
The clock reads {"hour": 11, "minute": 27}
